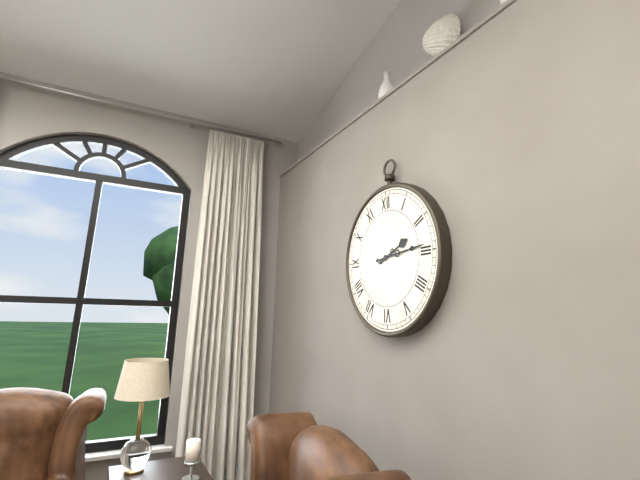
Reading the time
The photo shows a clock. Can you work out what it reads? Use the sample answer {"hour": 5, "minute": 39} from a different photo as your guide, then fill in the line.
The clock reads {"hour": 2, "minute": 14}
